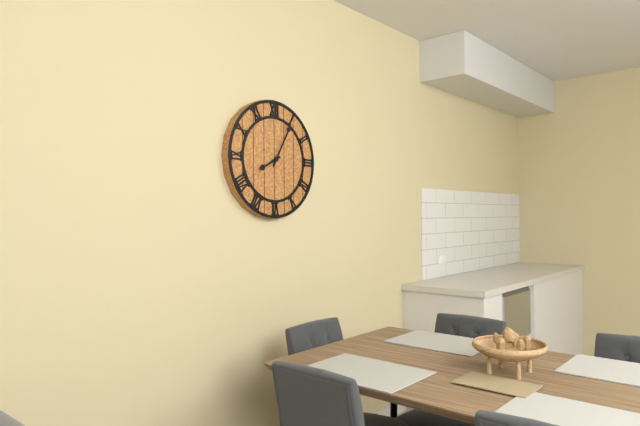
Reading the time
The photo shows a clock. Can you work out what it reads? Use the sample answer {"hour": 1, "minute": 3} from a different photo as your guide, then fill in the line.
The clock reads {"hour": 8, "minute": 5}
